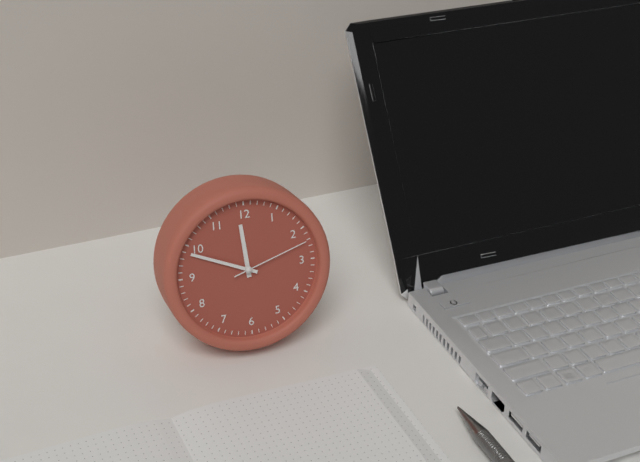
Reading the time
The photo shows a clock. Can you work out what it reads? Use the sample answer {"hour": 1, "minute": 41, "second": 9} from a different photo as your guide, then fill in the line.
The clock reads {"hour": 11, "minute": 49, "second": 12}
